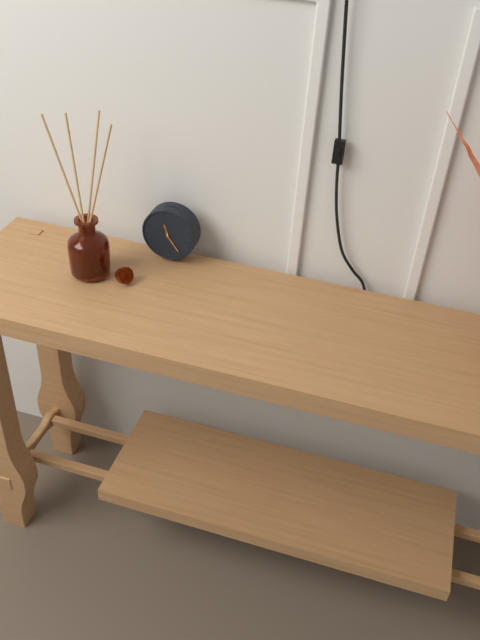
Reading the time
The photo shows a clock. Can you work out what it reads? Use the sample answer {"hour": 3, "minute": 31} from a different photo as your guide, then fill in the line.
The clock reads {"hour": 11, "minute": 24}
